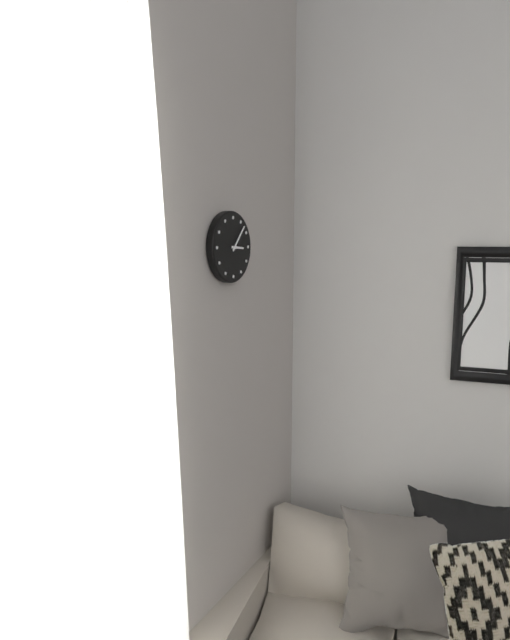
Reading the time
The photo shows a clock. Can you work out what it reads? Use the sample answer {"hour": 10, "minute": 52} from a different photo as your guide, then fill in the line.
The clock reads {"hour": 3, "minute": 7}
